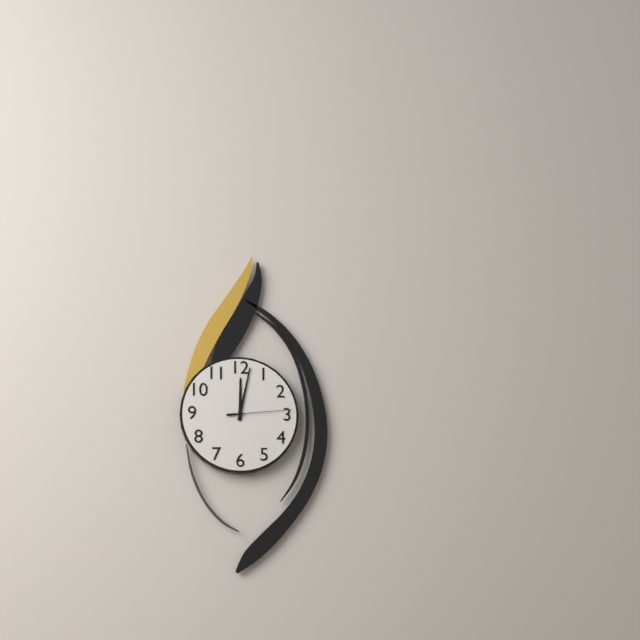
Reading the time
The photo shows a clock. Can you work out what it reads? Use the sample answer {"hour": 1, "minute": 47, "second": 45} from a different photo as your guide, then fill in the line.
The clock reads {"hour": 12, "minute": 2, "second": 14}
